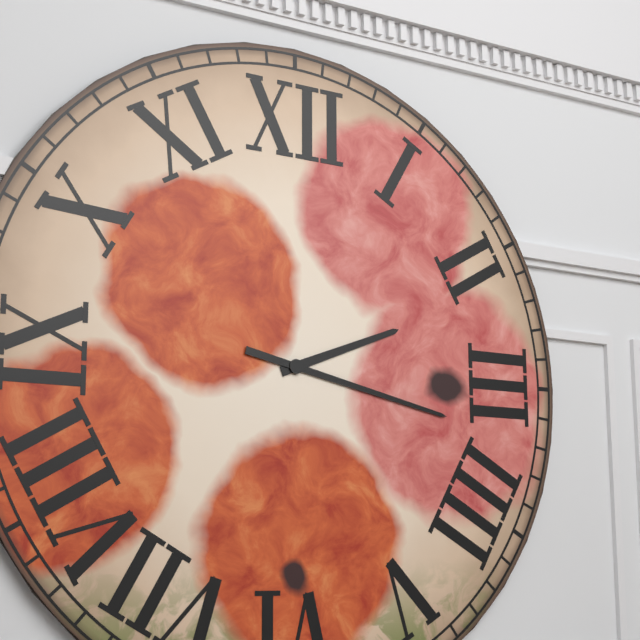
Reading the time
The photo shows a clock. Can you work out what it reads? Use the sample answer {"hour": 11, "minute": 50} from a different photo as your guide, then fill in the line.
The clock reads {"hour": 2, "minute": 17}
